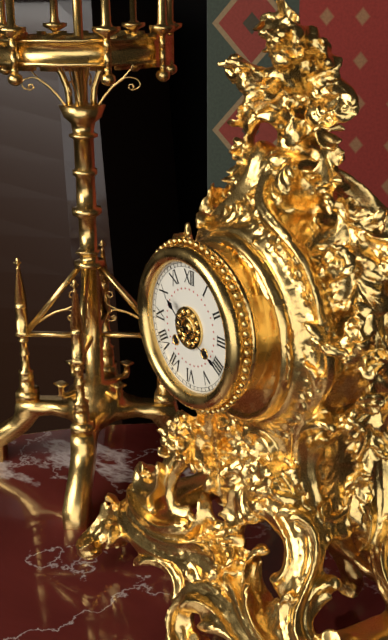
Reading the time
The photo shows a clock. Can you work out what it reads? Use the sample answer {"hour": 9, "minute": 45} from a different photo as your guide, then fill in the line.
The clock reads {"hour": 10, "minute": 19}
